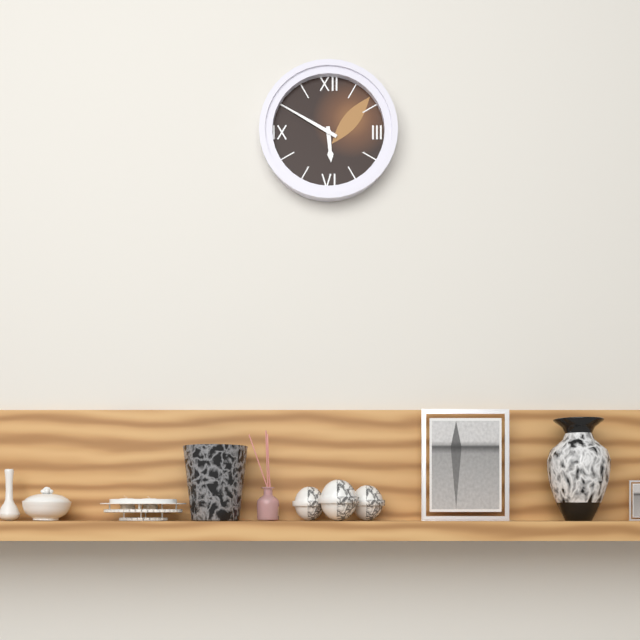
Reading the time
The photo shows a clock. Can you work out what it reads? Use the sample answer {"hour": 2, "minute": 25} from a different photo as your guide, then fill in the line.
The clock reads {"hour": 5, "minute": 50}
